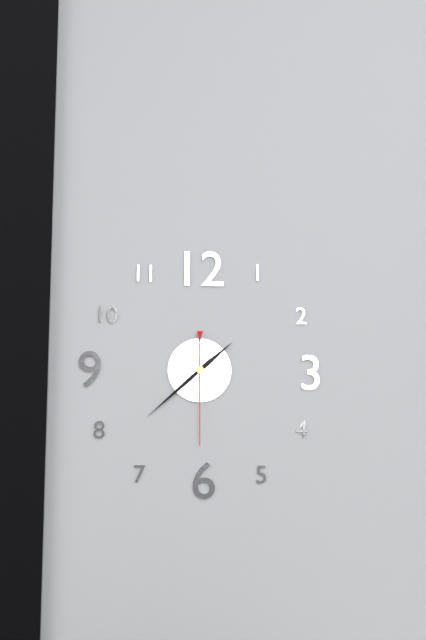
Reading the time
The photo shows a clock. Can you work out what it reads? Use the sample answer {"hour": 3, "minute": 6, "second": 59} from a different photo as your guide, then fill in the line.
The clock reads {"hour": 1, "minute": 38, "second": 30}
